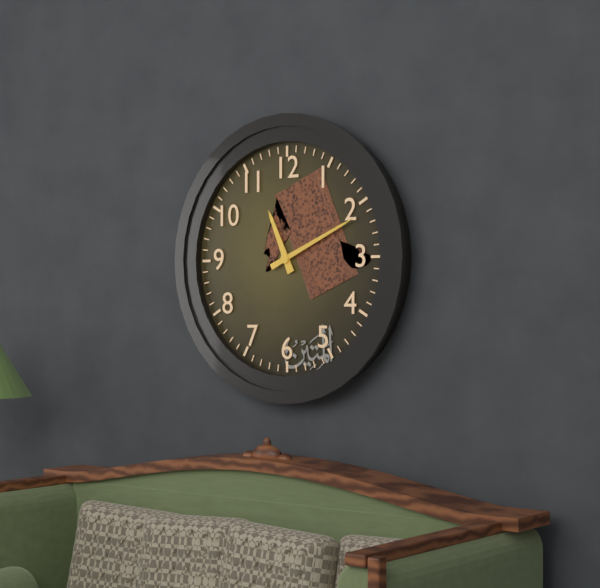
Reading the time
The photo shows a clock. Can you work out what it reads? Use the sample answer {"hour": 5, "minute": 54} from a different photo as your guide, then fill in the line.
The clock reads {"hour": 11, "minute": 11}
